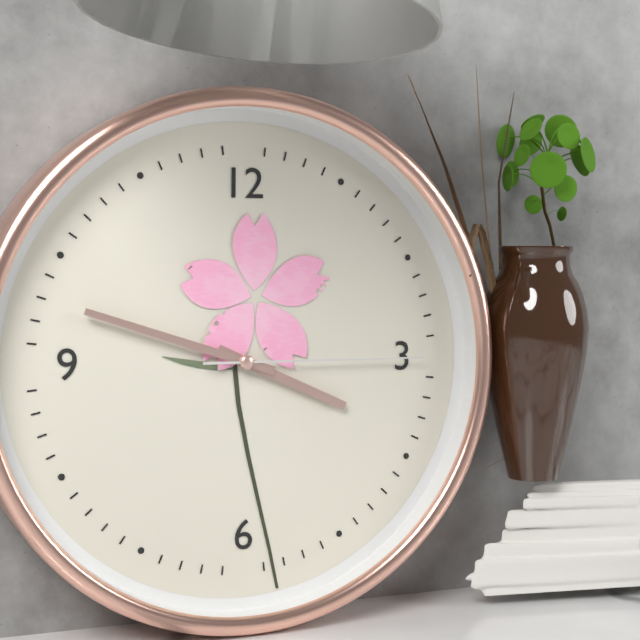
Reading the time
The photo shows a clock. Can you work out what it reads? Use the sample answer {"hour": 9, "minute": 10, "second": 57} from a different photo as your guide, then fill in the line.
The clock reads {"hour": 3, "minute": 48, "second": 15}
